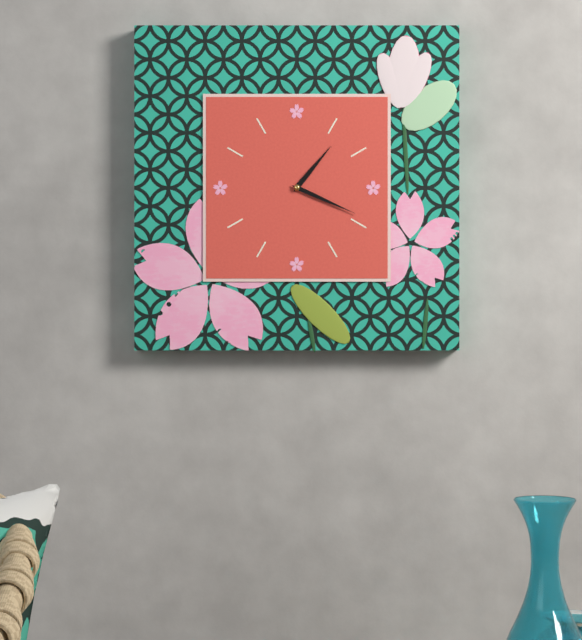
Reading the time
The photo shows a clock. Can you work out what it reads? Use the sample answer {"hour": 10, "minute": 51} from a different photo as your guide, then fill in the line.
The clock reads {"hour": 1, "minute": 19}
